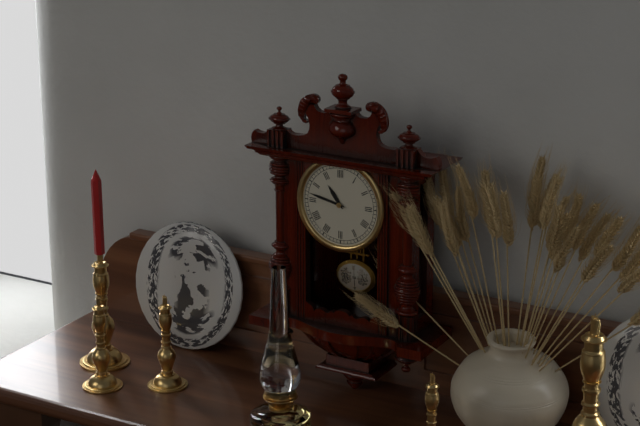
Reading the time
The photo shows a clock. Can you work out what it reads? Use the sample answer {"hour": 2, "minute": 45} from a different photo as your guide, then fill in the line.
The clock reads {"hour": 10, "minute": 47}
